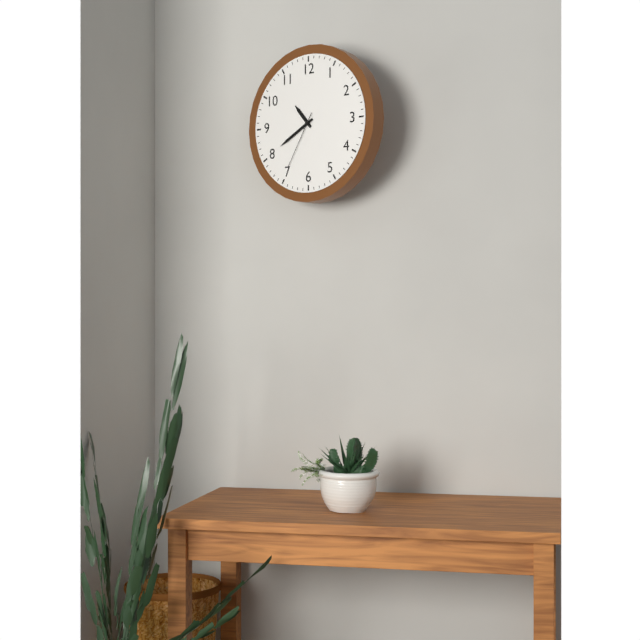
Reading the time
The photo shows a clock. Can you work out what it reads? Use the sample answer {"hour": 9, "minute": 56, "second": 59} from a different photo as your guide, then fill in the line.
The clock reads {"hour": 10, "minute": 40, "second": 35}
